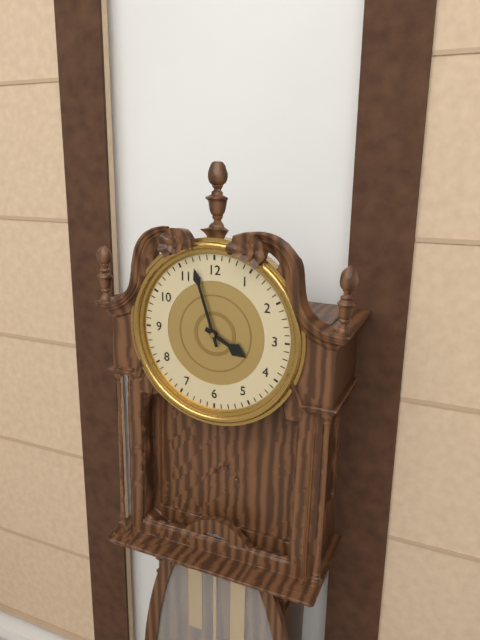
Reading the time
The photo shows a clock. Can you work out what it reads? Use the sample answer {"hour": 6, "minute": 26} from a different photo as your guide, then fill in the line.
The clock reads {"hour": 3, "minute": 57}
